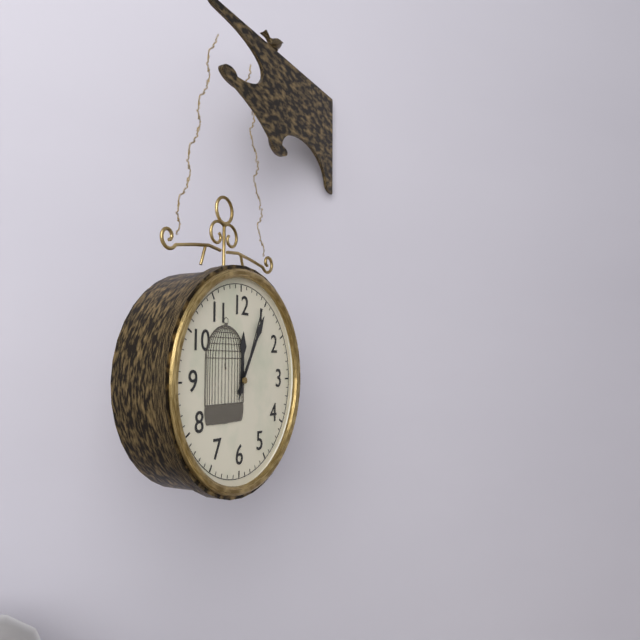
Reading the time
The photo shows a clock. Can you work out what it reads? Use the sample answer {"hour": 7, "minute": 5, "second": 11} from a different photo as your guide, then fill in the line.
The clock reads {"hour": 12, "minute": 5, "second": 4}
